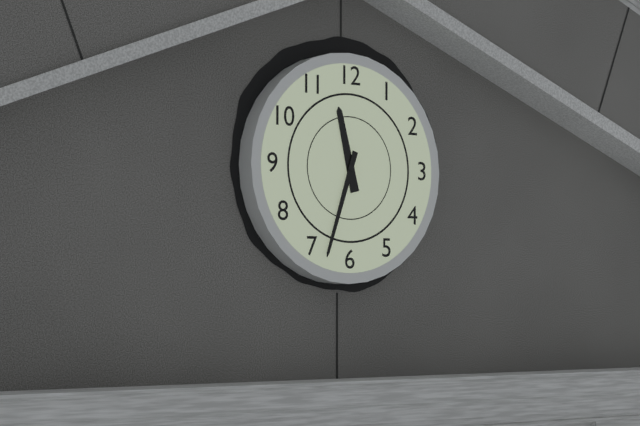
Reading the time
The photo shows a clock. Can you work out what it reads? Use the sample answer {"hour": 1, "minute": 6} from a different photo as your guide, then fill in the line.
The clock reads {"hour": 11, "minute": 33}
